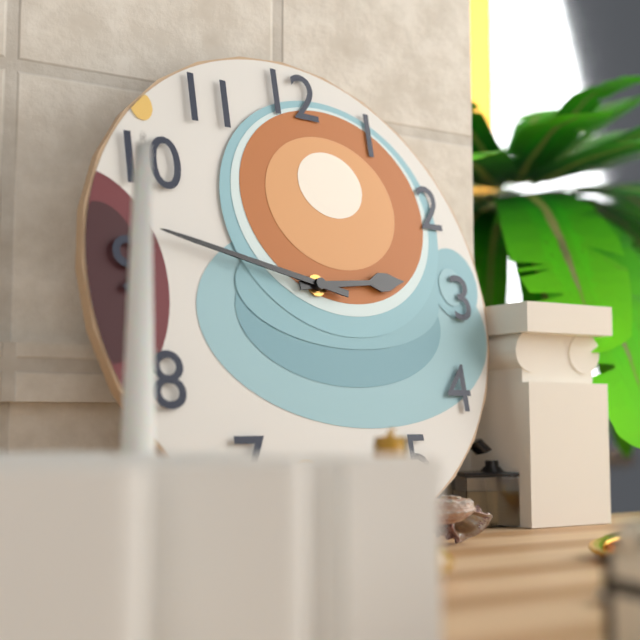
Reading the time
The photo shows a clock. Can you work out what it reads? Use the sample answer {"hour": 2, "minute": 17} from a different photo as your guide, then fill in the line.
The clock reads {"hour": 2, "minute": 47}
